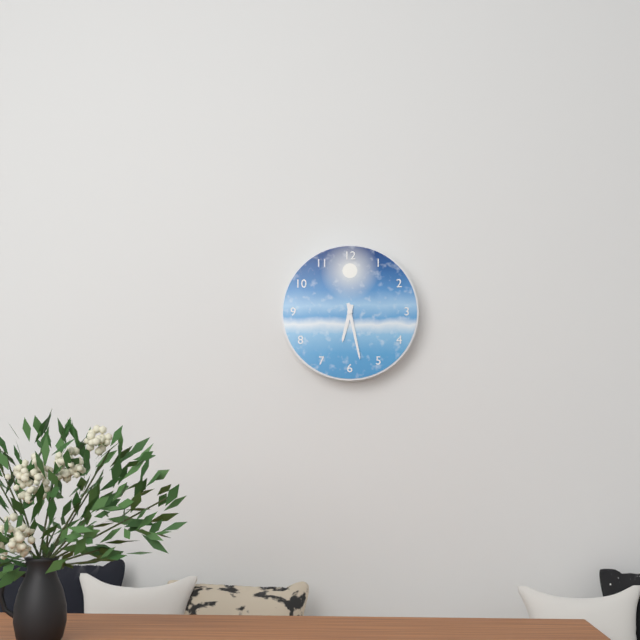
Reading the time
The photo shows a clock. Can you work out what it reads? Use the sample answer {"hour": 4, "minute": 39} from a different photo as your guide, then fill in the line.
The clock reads {"hour": 6, "minute": 28}
